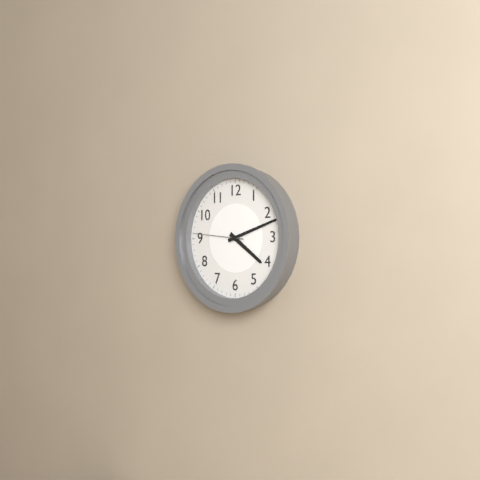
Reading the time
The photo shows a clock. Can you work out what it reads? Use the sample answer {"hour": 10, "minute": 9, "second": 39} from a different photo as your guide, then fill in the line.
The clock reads {"hour": 4, "minute": 12, "second": 46}
